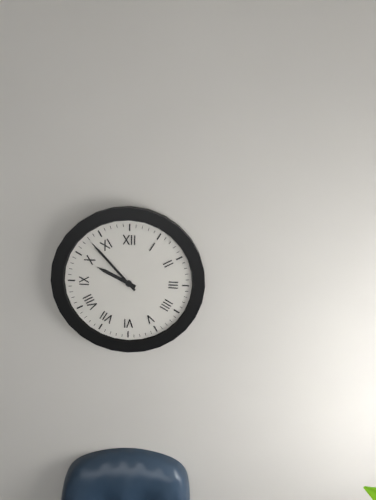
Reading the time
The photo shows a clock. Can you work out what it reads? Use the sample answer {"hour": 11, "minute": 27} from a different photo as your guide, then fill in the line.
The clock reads {"hour": 9, "minute": 53}
